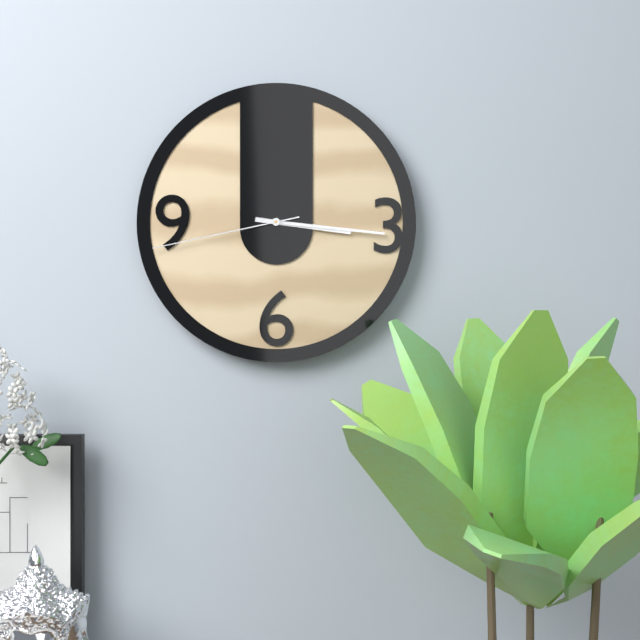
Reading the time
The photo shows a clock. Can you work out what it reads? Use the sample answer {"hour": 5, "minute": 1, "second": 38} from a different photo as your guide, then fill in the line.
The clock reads {"hour": 3, "minute": 16, "second": 43}
